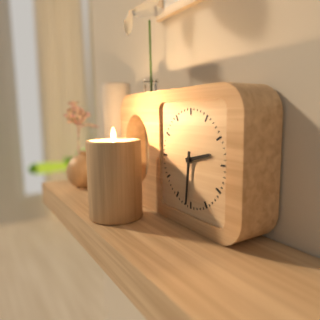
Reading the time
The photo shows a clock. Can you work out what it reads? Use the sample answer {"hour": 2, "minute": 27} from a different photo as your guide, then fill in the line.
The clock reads {"hour": 2, "minute": 31}
